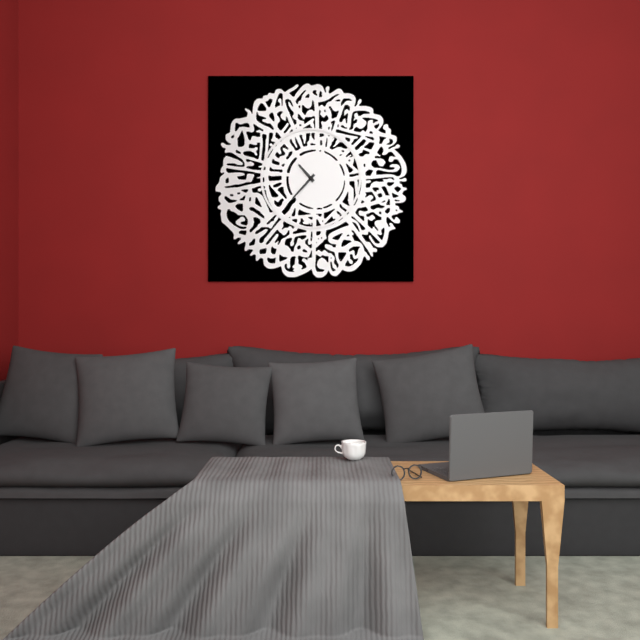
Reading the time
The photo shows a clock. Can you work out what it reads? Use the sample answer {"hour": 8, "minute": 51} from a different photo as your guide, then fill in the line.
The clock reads {"hour": 10, "minute": 37}
